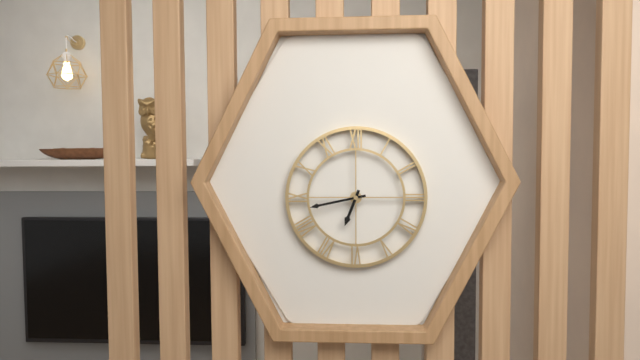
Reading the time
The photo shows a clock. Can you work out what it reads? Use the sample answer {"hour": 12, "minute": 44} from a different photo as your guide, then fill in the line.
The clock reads {"hour": 6, "minute": 43}
